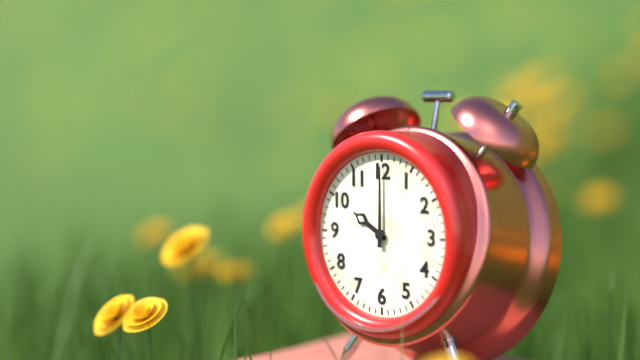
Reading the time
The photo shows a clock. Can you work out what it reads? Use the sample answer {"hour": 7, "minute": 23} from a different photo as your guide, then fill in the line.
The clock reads {"hour": 10, "minute": 0}
